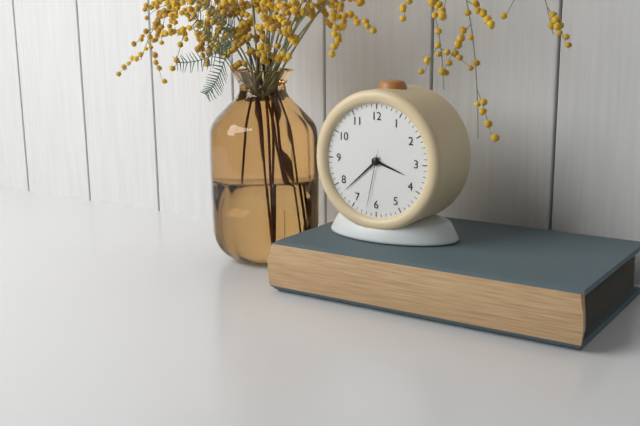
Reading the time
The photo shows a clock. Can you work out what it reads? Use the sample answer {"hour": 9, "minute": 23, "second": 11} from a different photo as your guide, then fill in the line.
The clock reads {"hour": 3, "minute": 38, "second": 32}
